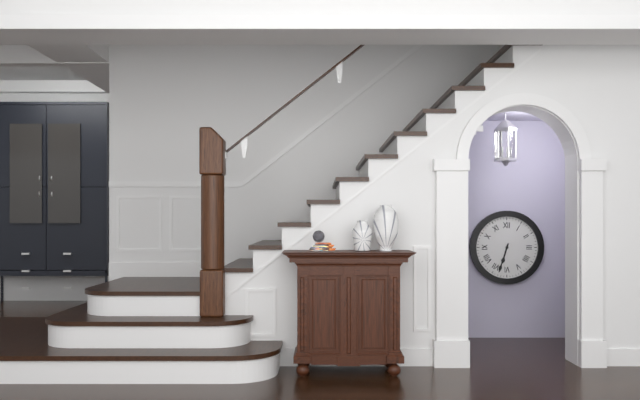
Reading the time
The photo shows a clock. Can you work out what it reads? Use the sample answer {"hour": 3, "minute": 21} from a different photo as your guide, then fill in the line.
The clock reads {"hour": 6, "minute": 33}
